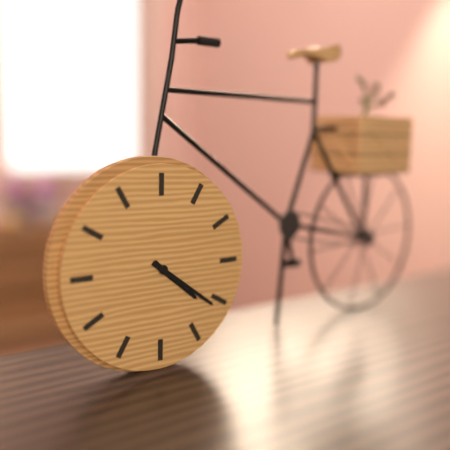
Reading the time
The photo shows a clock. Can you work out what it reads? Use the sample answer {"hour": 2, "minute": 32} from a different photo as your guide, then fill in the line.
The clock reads {"hour": 4, "minute": 21}
